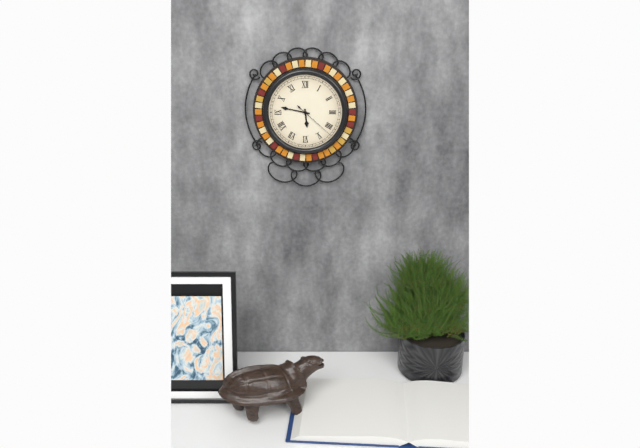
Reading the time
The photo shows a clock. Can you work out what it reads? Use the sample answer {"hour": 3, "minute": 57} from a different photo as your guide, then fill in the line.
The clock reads {"hour": 5, "minute": 47}
